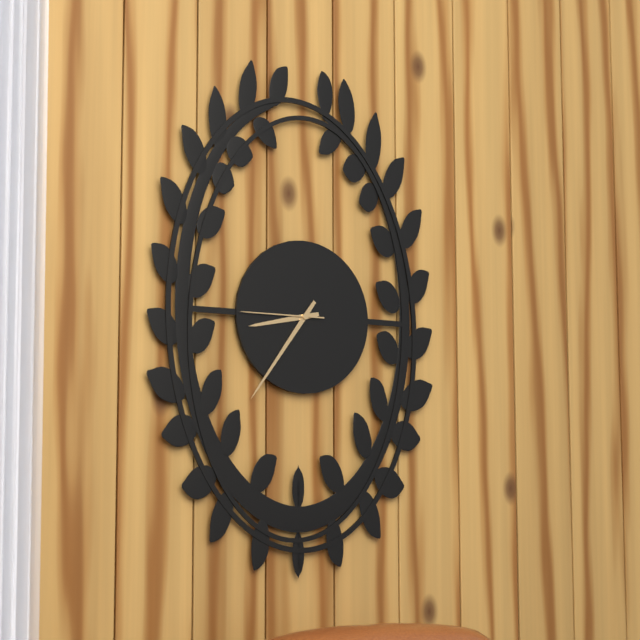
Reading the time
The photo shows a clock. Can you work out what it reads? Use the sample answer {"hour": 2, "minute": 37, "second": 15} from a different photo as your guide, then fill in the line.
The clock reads {"hour": 8, "minute": 36, "second": 45}
